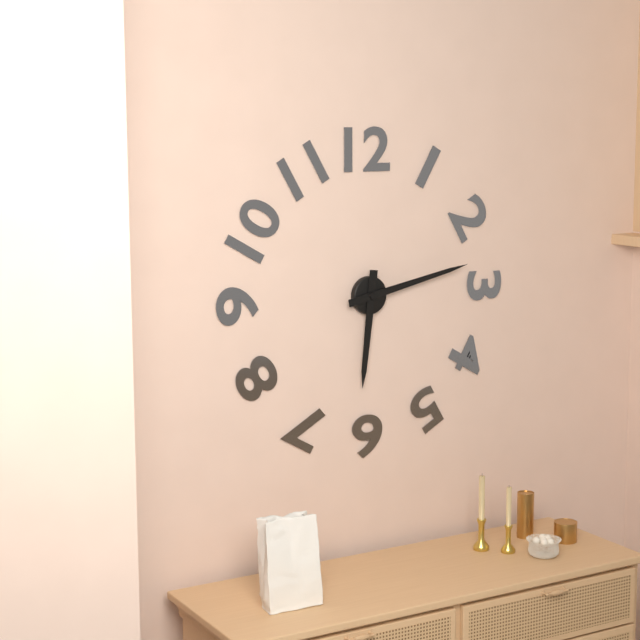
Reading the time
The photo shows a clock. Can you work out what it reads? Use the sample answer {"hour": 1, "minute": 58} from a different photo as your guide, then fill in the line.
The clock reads {"hour": 6, "minute": 13}
